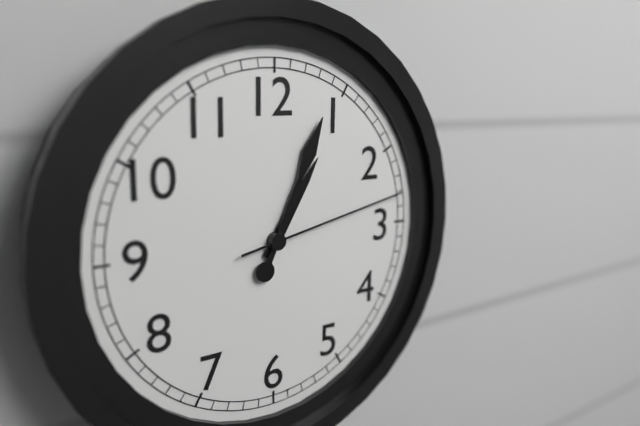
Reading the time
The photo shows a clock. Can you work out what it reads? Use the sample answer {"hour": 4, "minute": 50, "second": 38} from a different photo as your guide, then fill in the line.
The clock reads {"hour": 1, "minute": 4, "second": 13}
